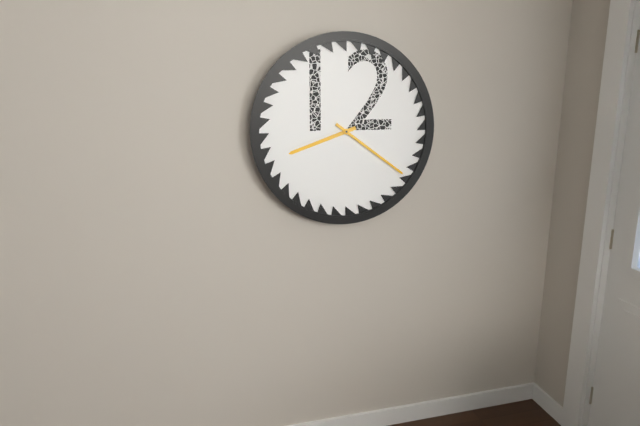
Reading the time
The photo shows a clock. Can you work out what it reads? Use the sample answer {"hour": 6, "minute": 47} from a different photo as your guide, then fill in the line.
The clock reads {"hour": 8, "minute": 21}
